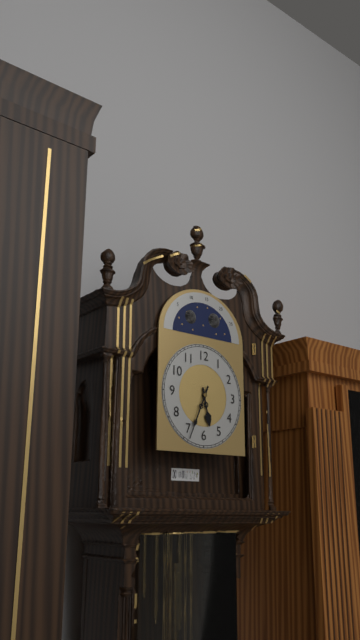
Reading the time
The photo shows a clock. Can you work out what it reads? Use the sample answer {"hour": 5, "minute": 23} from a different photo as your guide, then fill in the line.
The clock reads {"hour": 5, "minute": 34}
